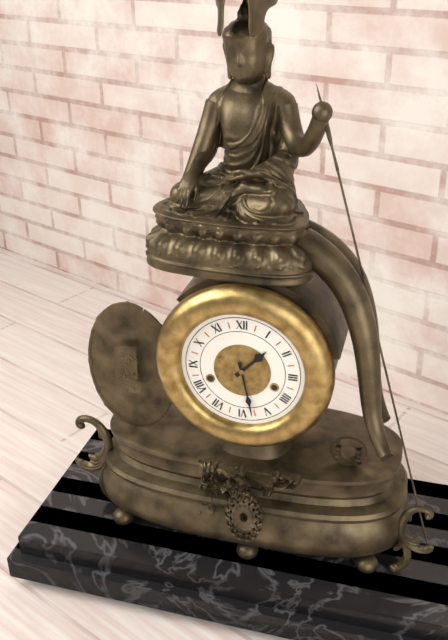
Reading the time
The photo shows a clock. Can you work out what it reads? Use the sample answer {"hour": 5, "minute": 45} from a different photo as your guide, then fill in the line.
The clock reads {"hour": 1, "minute": 28}
